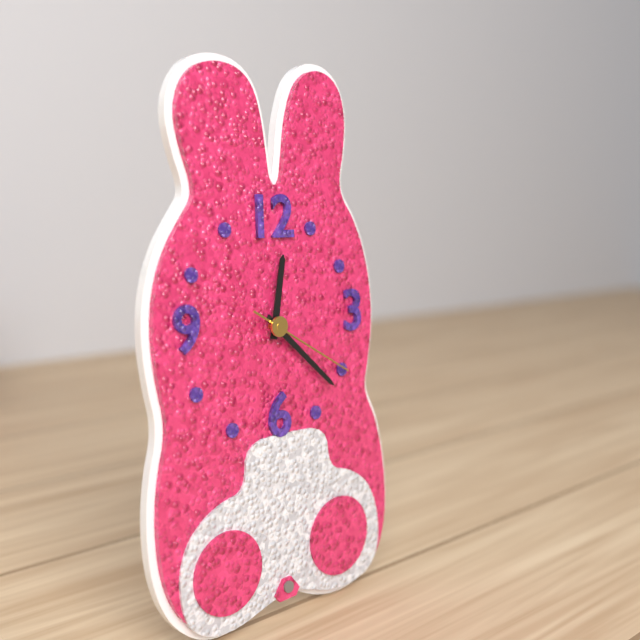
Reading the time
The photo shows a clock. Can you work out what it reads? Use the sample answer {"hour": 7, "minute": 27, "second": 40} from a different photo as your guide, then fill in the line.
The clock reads {"hour": 12, "minute": 22, "second": 20}
